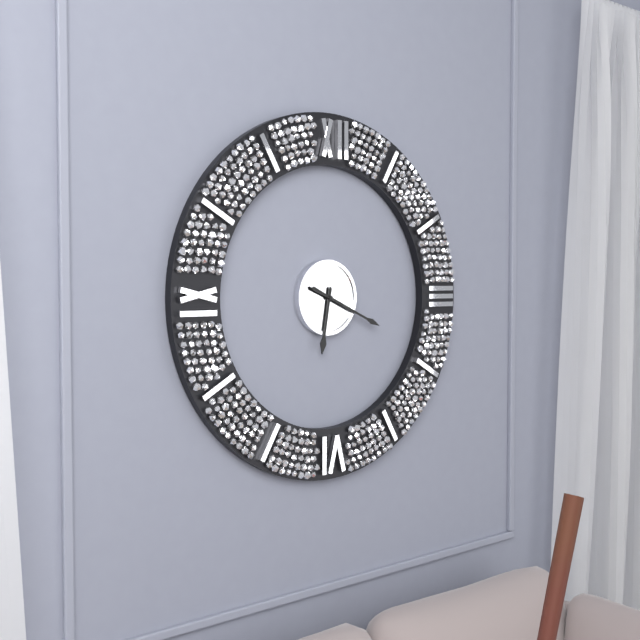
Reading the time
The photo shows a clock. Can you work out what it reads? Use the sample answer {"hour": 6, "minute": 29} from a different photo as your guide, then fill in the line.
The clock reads {"hour": 6, "minute": 19}
